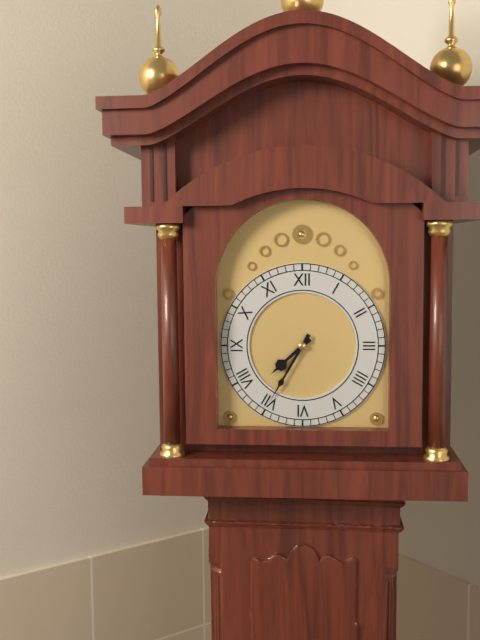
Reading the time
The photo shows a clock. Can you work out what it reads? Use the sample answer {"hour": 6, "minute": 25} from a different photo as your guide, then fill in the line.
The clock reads {"hour": 7, "minute": 35}
